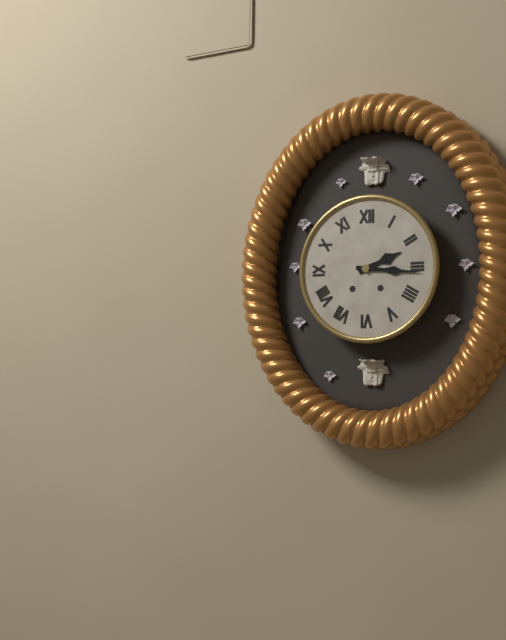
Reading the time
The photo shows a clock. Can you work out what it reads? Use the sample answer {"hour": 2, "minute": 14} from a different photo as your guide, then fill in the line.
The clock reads {"hour": 2, "minute": 16}
